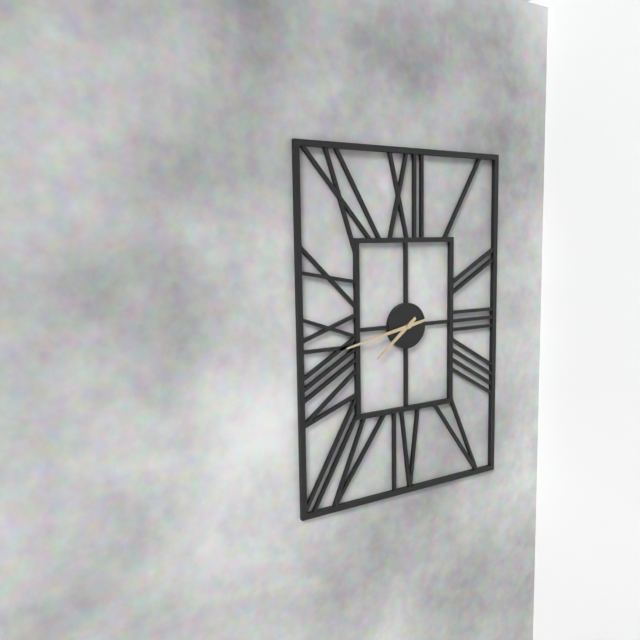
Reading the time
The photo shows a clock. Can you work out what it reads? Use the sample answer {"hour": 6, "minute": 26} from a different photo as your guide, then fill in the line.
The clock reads {"hour": 7, "minute": 43}
